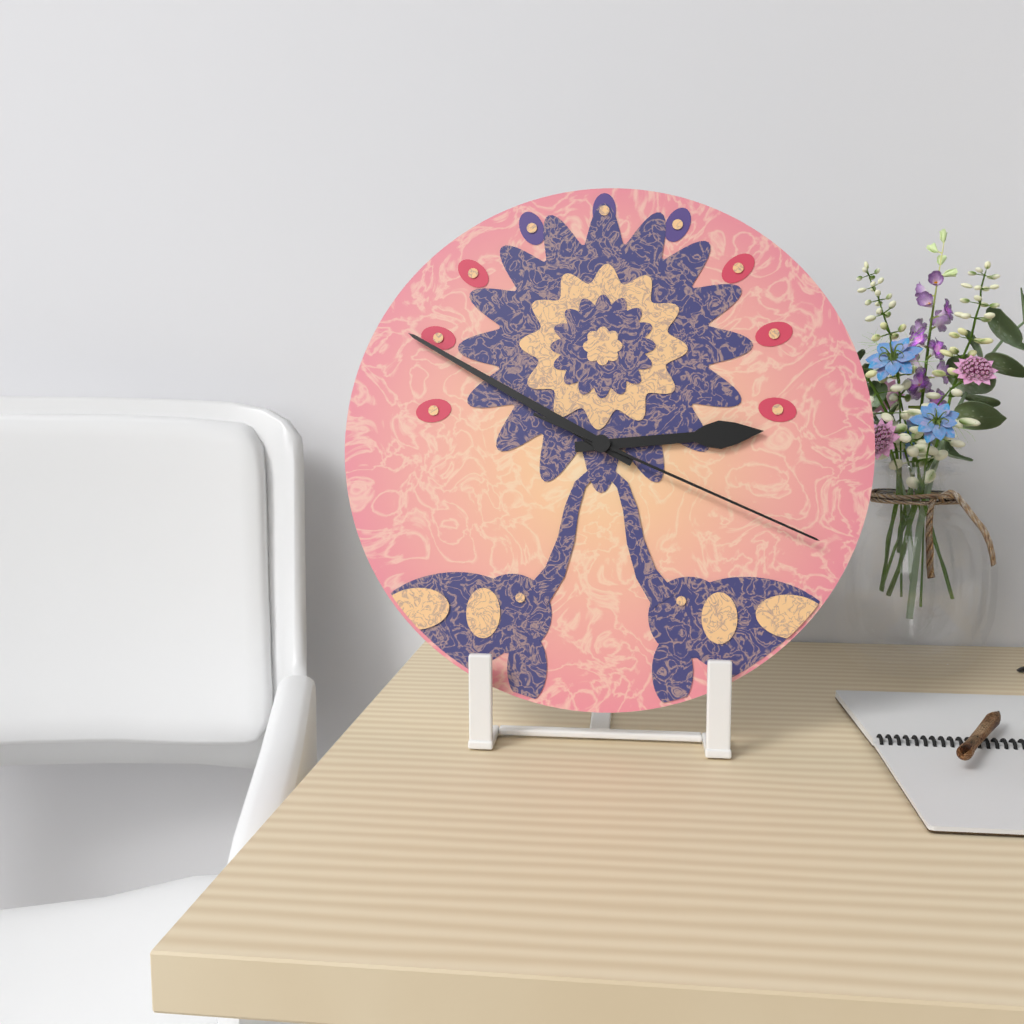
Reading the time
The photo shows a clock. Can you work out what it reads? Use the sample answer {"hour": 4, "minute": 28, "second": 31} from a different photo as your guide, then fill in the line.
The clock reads {"hour": 2, "minute": 50, "second": 19}
